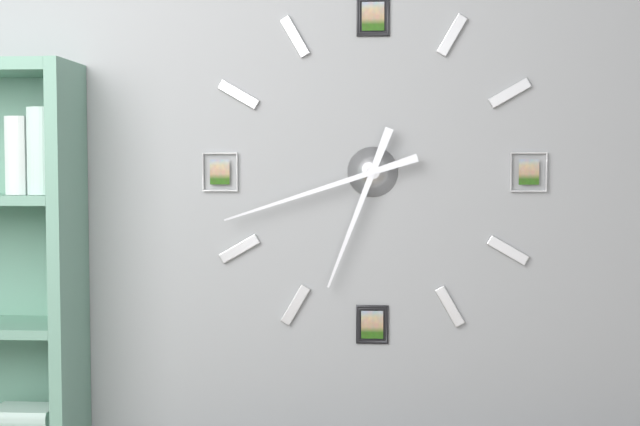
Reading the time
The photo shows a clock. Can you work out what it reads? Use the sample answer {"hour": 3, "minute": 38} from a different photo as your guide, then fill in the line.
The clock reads {"hour": 6, "minute": 42}
